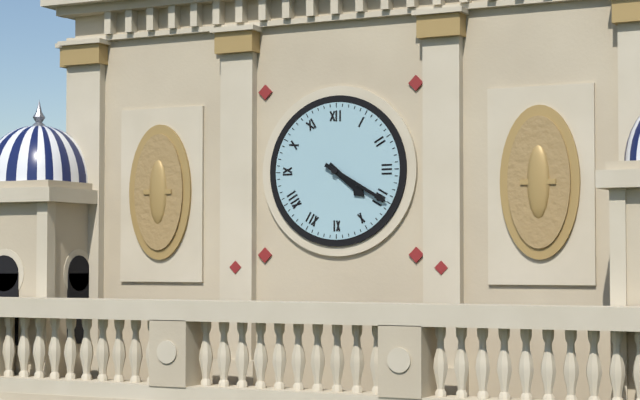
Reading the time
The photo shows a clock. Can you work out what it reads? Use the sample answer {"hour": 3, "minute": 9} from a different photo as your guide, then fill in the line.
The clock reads {"hour": 4, "minute": 20}
